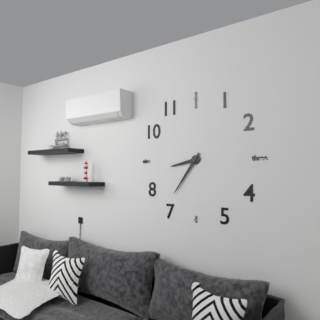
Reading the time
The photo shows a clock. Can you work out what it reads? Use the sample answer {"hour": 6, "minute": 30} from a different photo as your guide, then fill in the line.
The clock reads {"hour": 8, "minute": 36}
